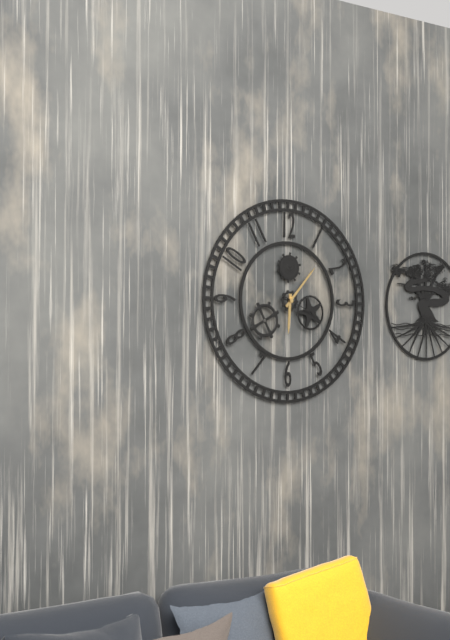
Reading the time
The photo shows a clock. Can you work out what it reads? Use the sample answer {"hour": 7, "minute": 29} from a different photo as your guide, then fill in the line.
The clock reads {"hour": 6, "minute": 7}
